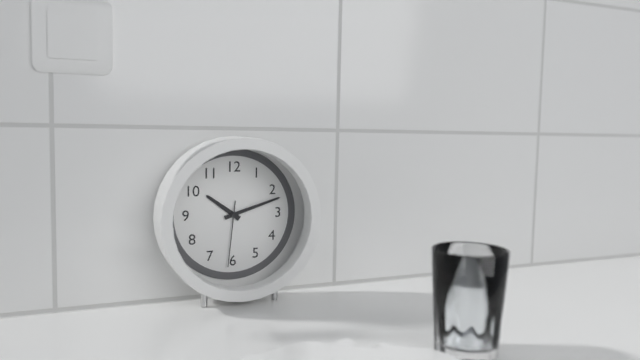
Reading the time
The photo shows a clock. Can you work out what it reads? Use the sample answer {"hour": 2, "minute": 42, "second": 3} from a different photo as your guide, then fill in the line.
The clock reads {"hour": 10, "minute": 12, "second": 31}
